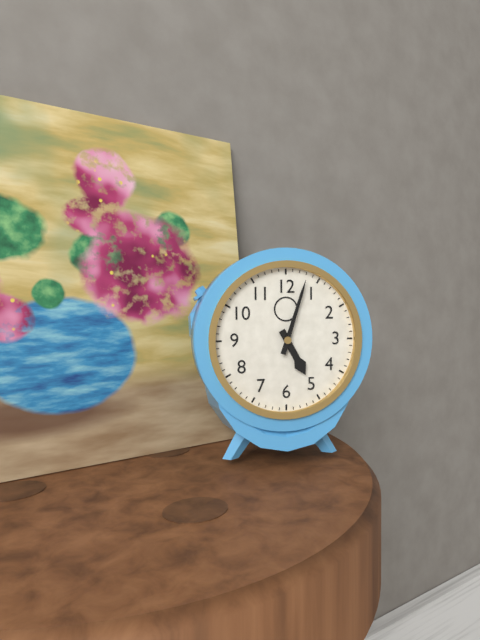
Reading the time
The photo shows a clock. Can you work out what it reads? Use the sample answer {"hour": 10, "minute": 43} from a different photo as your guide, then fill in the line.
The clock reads {"hour": 5, "minute": 3}
